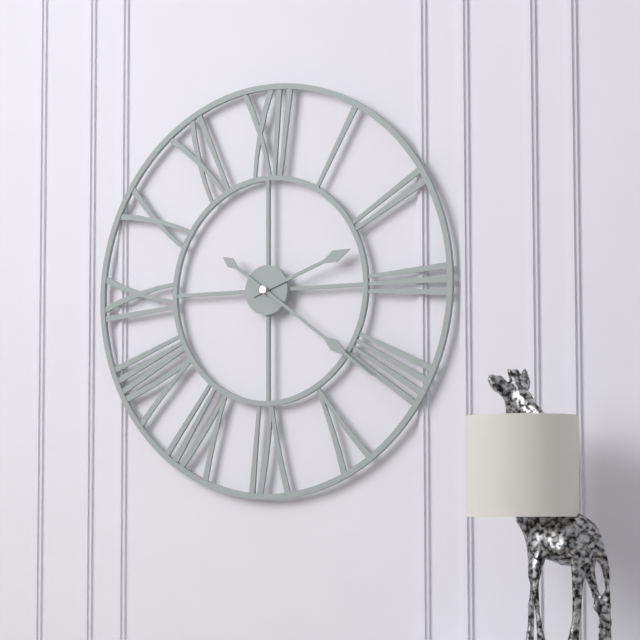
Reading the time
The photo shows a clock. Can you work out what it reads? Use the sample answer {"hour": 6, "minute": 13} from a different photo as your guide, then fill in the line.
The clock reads {"hour": 2, "minute": 21}
